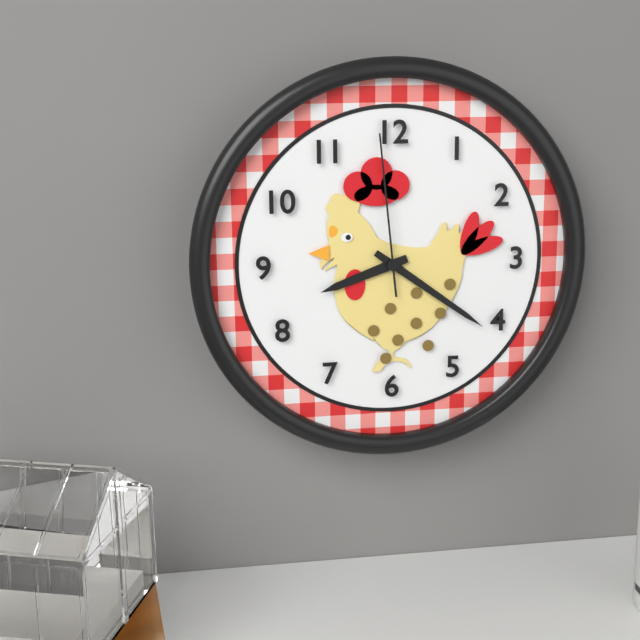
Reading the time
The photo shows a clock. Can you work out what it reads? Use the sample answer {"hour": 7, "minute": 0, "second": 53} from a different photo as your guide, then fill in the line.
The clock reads {"hour": 8, "minute": 21, "second": 59}
